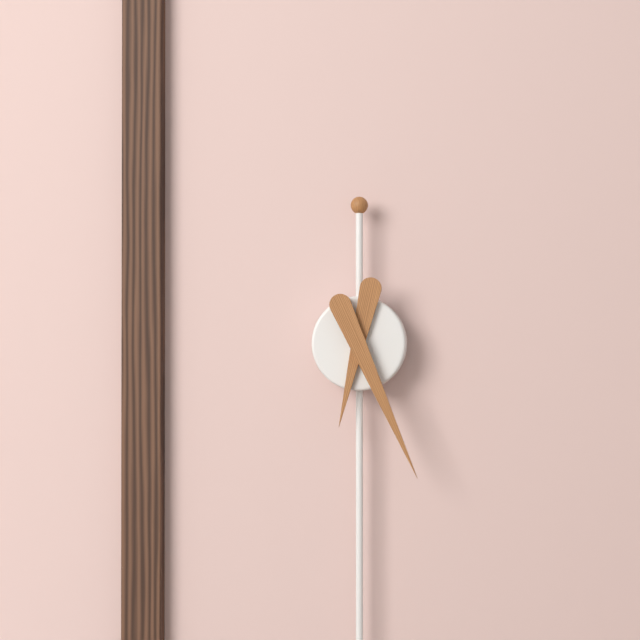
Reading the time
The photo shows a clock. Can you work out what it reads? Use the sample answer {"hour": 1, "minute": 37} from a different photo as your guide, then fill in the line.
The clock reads {"hour": 6, "minute": 26}
